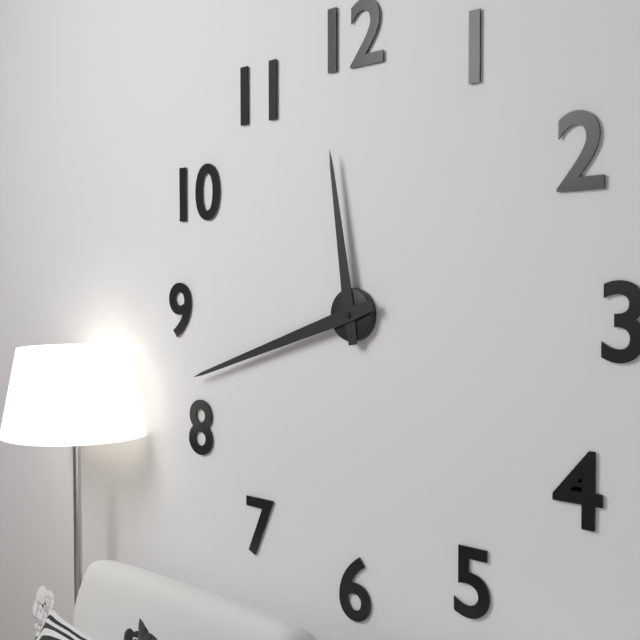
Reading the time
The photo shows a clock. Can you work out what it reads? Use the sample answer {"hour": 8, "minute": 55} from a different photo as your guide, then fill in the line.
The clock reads {"hour": 11, "minute": 42}
